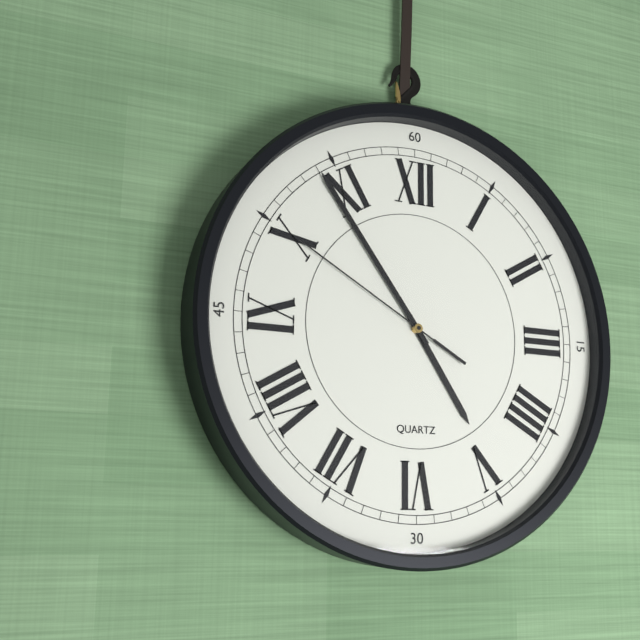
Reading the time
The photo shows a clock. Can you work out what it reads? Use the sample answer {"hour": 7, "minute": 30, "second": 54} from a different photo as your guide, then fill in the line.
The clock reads {"hour": 4, "minute": 54, "second": 50}
